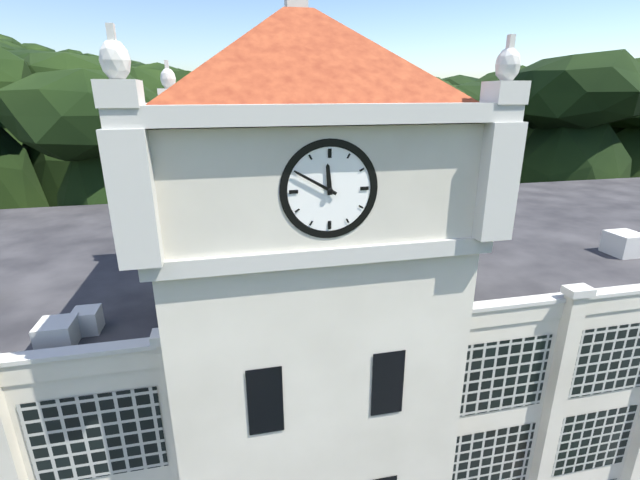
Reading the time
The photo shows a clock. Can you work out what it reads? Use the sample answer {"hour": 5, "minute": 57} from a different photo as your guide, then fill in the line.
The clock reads {"hour": 11, "minute": 50}
